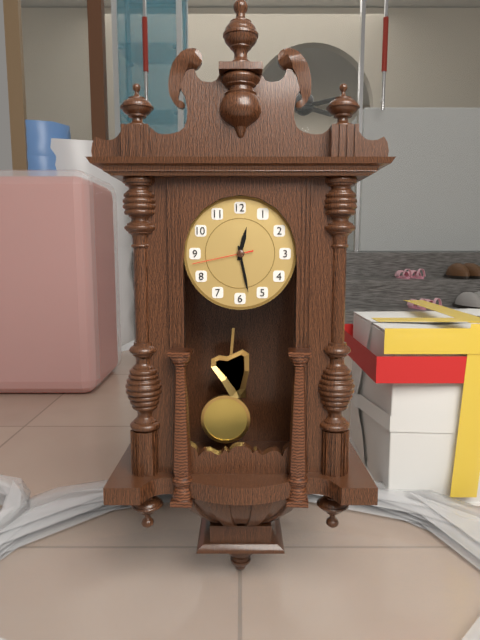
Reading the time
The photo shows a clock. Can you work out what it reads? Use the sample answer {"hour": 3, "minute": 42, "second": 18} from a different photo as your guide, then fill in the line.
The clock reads {"hour": 12, "minute": 28, "second": 43}
